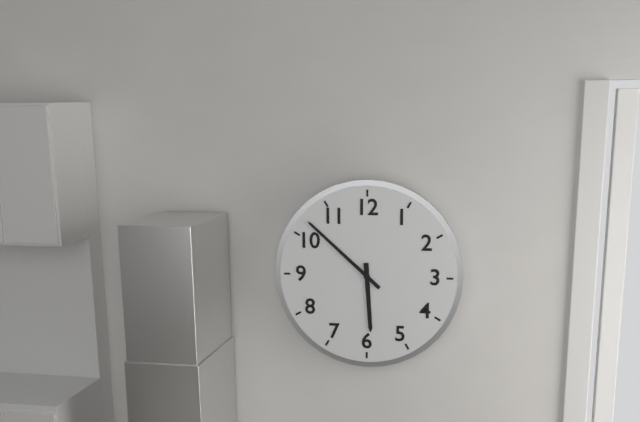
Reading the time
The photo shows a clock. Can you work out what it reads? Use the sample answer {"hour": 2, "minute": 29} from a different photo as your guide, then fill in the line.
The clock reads {"hour": 5, "minute": 52}
